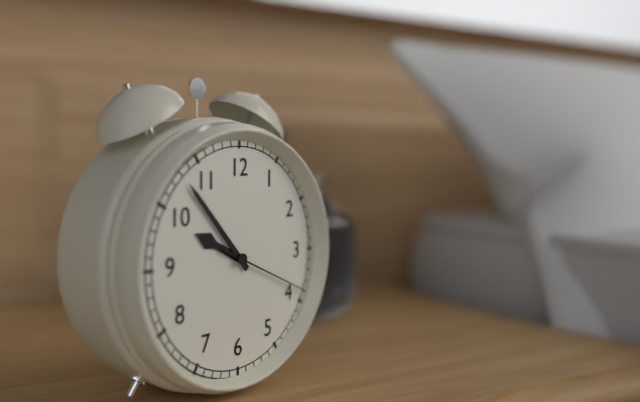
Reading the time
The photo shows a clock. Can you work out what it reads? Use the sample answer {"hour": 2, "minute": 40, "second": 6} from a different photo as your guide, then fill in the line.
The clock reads {"hour": 9, "minute": 53, "second": 19}
